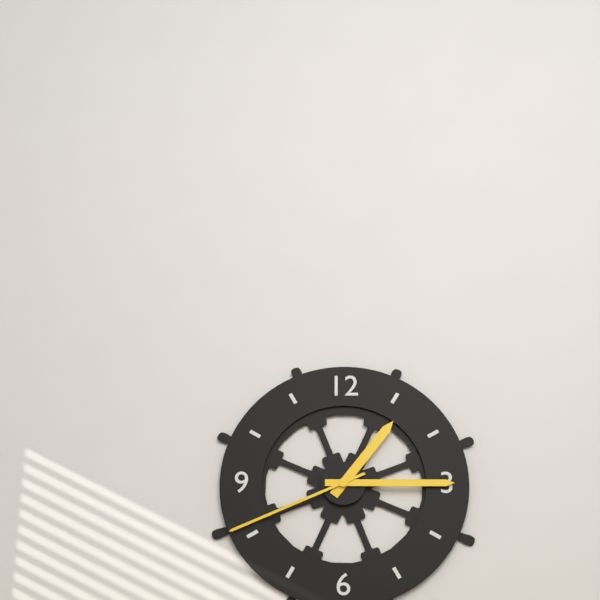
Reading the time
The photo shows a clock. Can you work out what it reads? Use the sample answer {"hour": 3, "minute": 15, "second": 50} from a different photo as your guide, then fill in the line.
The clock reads {"hour": 1, "minute": 15, "second": 41}
